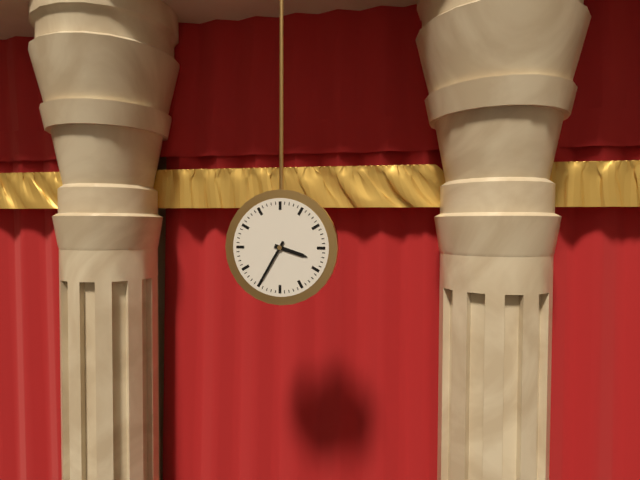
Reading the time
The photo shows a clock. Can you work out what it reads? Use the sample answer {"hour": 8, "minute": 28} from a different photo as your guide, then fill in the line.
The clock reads {"hour": 3, "minute": 35}
